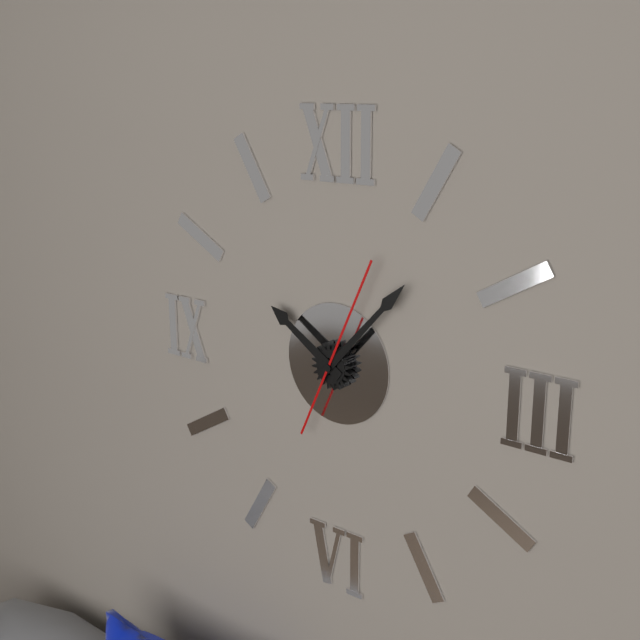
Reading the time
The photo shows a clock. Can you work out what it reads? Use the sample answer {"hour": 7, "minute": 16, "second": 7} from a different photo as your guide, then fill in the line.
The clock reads {"hour": 10, "minute": 7, "second": 4}
